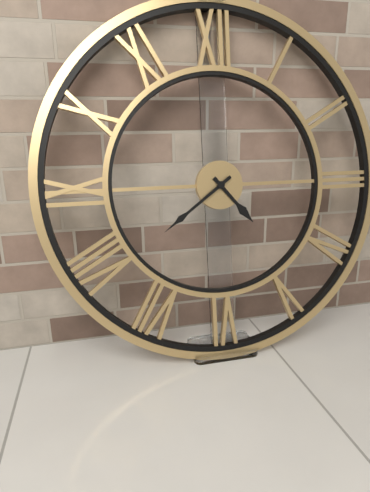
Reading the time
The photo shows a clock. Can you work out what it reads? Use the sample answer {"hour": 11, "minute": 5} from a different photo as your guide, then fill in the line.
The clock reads {"hour": 4, "minute": 39}
